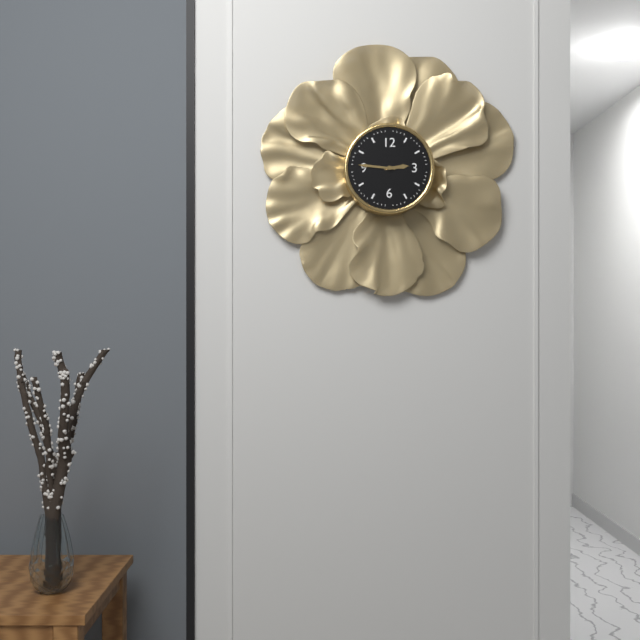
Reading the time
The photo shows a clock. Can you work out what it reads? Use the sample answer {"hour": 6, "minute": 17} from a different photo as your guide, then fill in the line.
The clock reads {"hour": 2, "minute": 46}
